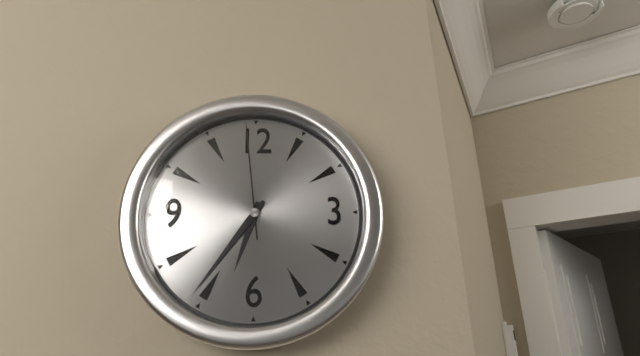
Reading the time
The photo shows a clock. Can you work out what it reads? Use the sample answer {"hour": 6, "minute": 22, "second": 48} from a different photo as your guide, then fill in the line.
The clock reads {"hour": 6, "minute": 36, "second": 59}
